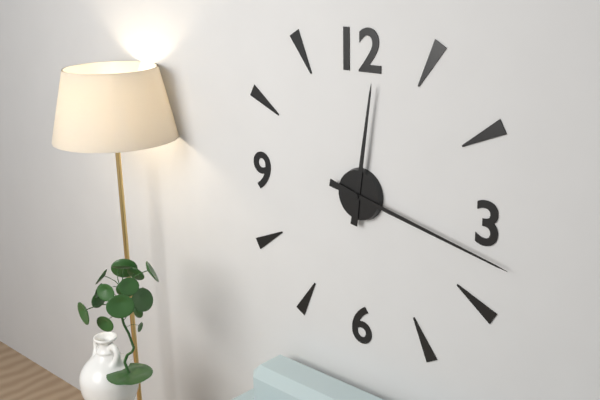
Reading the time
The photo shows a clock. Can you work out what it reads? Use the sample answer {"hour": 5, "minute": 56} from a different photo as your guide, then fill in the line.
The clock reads {"hour": 12, "minute": 17}
